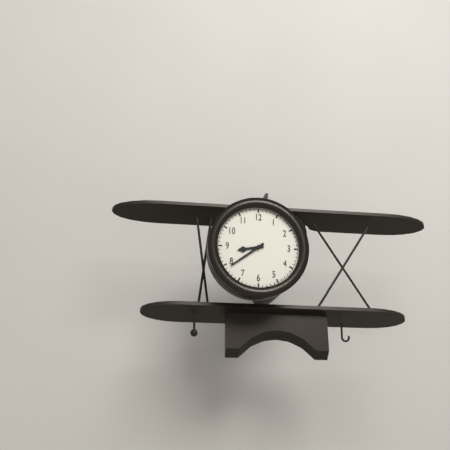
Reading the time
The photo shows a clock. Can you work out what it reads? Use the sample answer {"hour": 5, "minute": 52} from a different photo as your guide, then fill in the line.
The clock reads {"hour": 8, "minute": 39}
